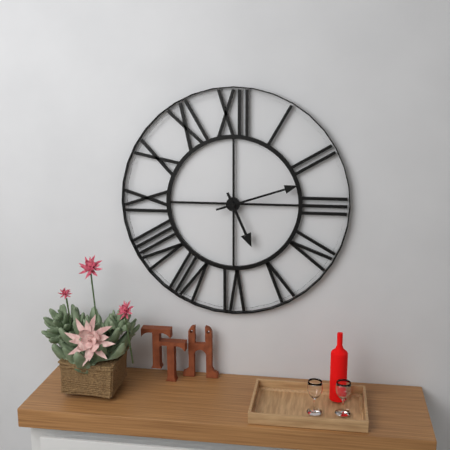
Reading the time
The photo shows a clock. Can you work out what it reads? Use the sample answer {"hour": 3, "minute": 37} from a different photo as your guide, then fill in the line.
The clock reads {"hour": 5, "minute": 12}
